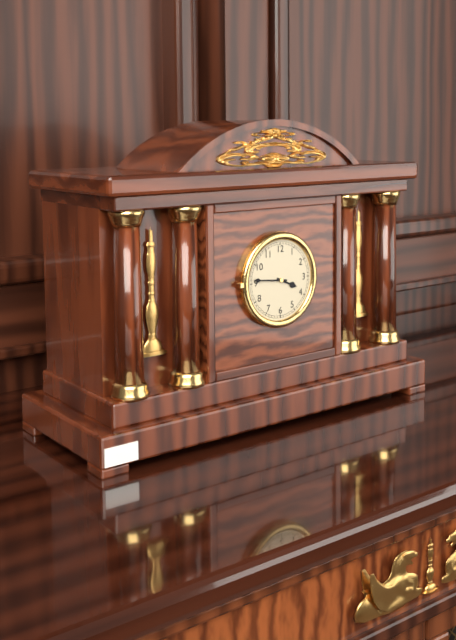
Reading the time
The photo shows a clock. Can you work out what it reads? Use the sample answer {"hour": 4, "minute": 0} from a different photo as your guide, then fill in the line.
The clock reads {"hour": 3, "minute": 46}
